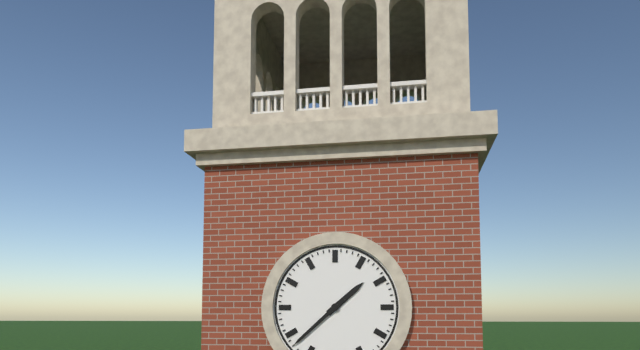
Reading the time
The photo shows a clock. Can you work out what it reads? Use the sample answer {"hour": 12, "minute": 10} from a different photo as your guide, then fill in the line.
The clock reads {"hour": 1, "minute": 38}
